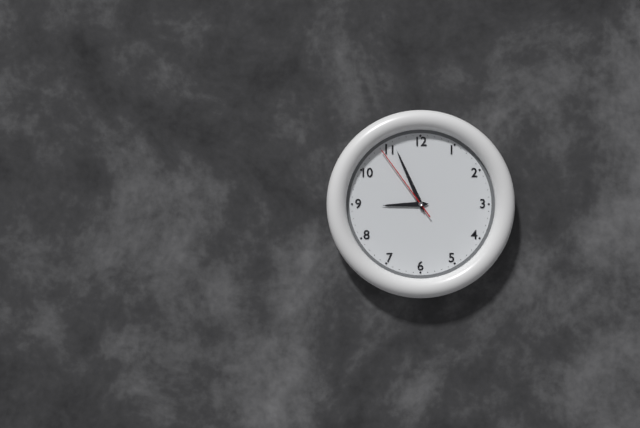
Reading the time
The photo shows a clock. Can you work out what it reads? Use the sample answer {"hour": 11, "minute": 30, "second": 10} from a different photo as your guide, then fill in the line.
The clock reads {"hour": 8, "minute": 56, "second": 54}
